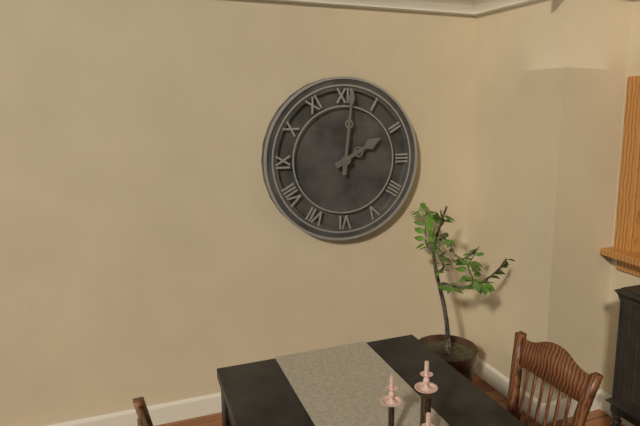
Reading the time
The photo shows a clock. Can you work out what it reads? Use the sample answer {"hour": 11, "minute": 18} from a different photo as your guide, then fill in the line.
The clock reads {"hour": 2, "minute": 1}
